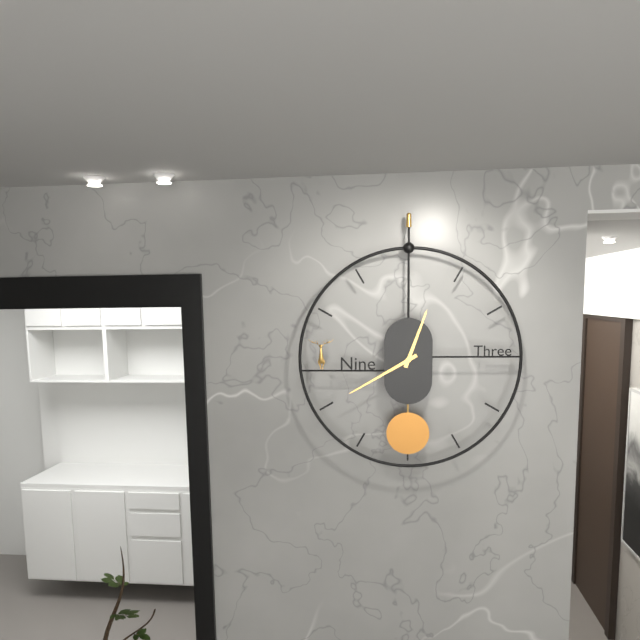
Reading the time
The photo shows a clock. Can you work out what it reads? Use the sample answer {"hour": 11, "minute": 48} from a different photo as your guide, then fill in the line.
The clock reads {"hour": 12, "minute": 40}
